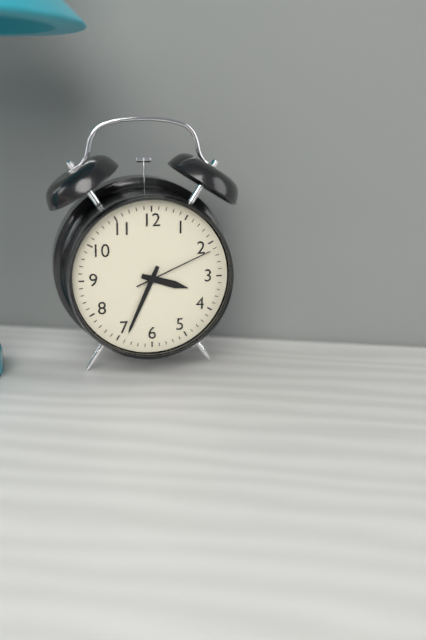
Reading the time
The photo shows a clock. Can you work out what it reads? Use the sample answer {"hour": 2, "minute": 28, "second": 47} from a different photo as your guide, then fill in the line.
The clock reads {"hour": 3, "minute": 34, "second": 11}
